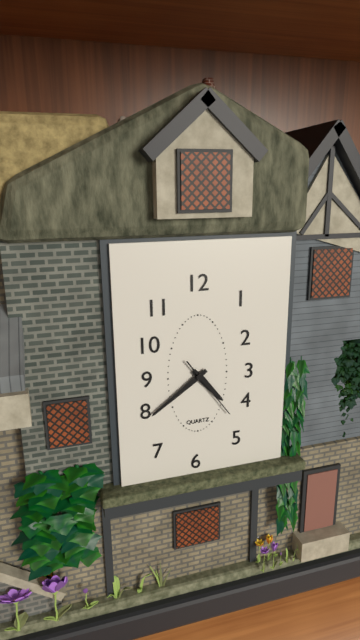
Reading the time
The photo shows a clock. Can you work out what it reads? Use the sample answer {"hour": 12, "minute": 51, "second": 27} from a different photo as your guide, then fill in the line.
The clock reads {"hour": 4, "minute": 39, "second": 24}
